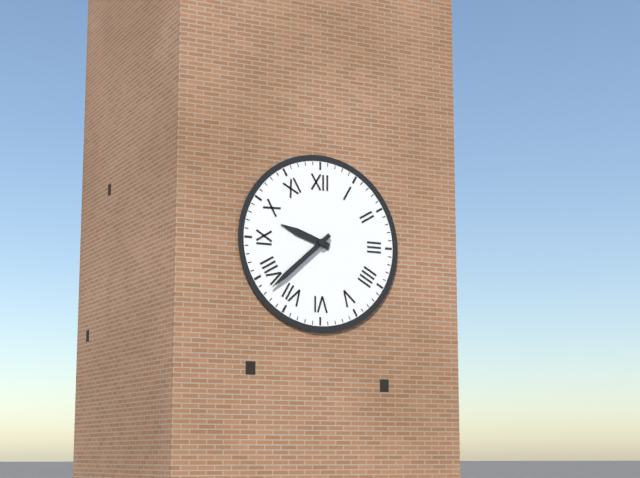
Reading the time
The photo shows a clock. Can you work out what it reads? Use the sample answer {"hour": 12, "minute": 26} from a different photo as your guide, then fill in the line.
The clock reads {"hour": 9, "minute": 38}
